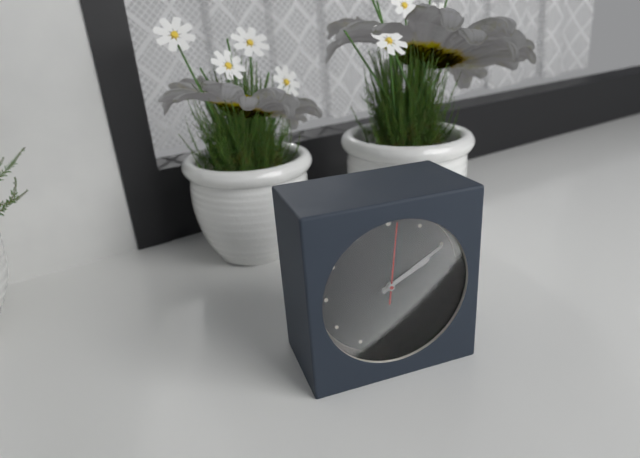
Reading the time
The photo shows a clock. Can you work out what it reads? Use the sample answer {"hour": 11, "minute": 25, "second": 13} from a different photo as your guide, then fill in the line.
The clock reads {"hour": 2, "minute": 10, "second": 1}
